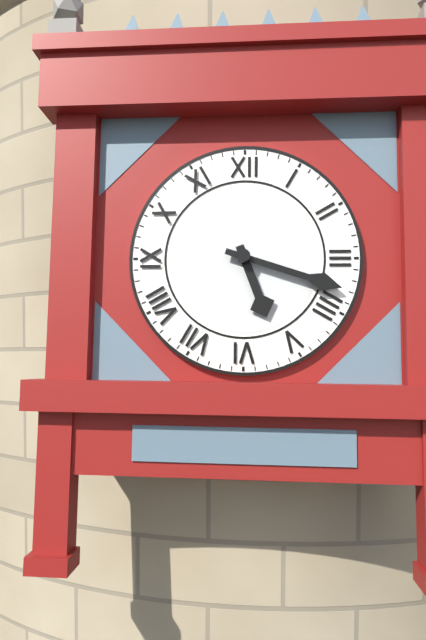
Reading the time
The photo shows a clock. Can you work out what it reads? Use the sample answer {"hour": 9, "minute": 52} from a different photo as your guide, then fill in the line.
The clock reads {"hour": 5, "minute": 18}
